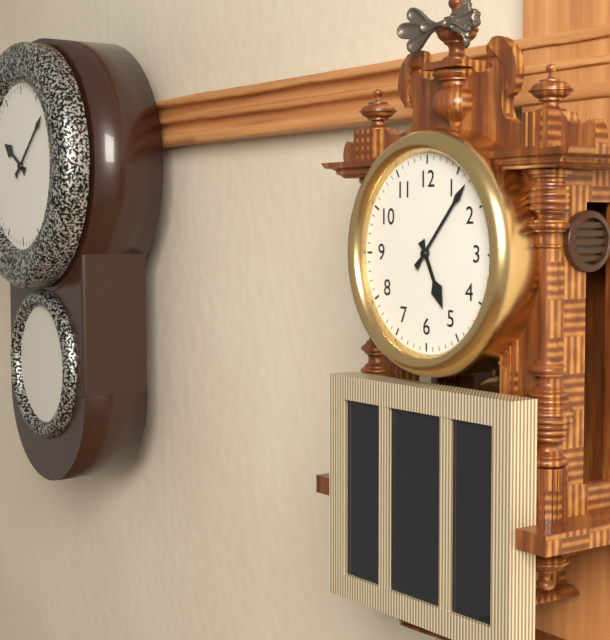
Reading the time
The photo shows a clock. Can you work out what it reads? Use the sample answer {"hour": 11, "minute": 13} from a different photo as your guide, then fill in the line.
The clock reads {"hour": 5, "minute": 7}
